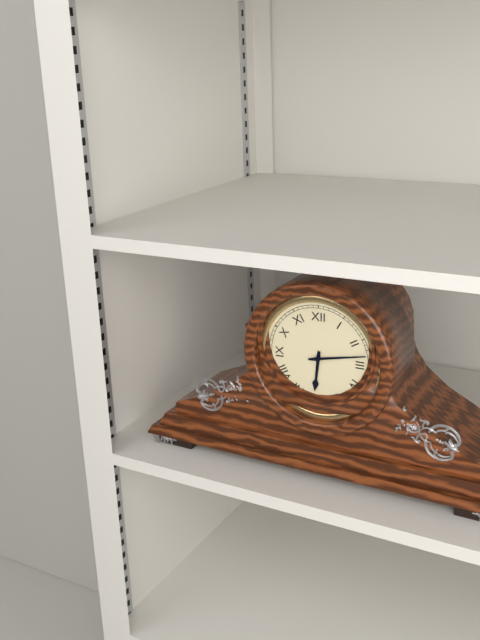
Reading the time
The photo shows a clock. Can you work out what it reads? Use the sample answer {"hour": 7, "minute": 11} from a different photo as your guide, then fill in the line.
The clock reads {"hour": 6, "minute": 13}
